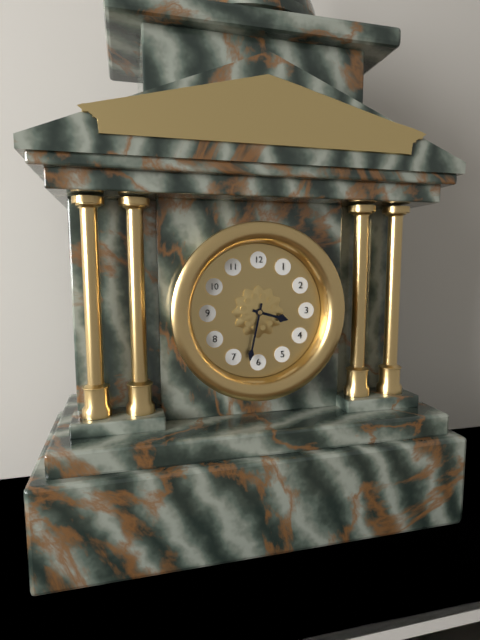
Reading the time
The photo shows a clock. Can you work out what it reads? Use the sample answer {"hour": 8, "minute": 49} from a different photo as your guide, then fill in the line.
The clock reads {"hour": 3, "minute": 32}
